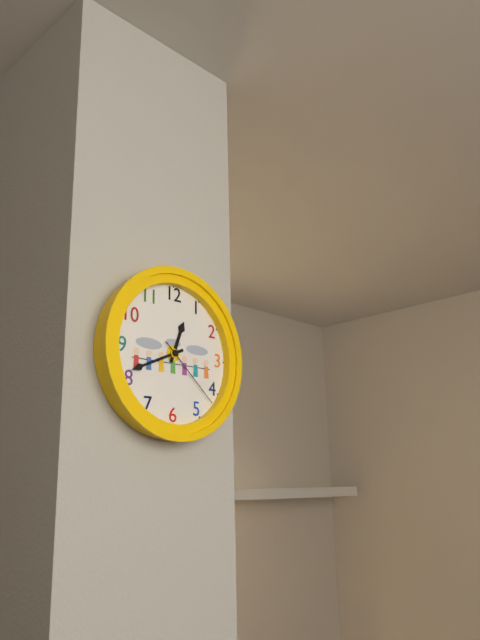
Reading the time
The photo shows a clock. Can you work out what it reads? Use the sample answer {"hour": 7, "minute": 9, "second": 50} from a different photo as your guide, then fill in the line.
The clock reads {"hour": 12, "minute": 41, "second": 22}
